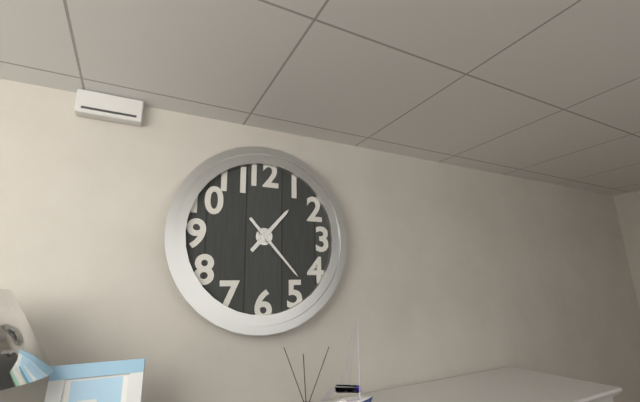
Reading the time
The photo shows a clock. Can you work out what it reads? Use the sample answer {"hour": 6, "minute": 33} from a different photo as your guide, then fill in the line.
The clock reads {"hour": 1, "minute": 23}
